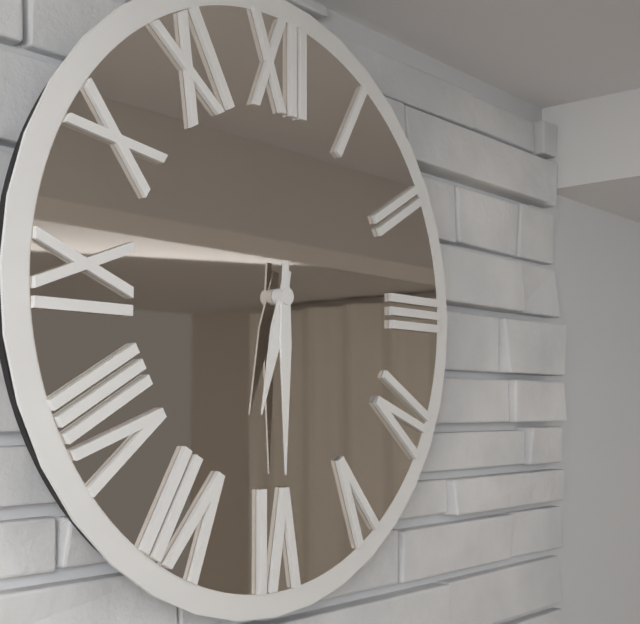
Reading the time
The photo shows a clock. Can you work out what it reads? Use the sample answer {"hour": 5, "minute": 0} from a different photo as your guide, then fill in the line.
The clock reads {"hour": 6, "minute": 30}
